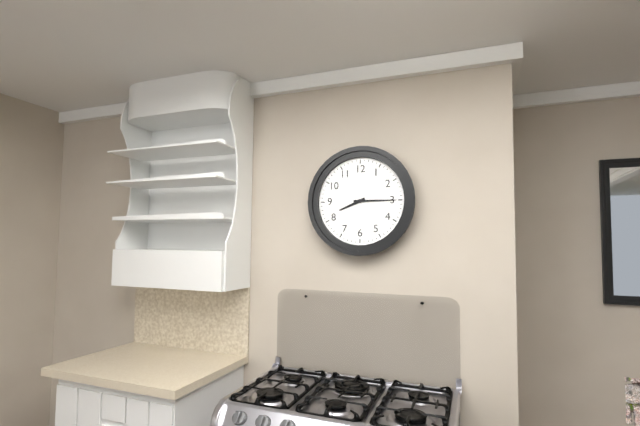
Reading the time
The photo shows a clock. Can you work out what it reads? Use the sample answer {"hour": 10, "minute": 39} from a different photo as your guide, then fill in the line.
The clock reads {"hour": 8, "minute": 15}
